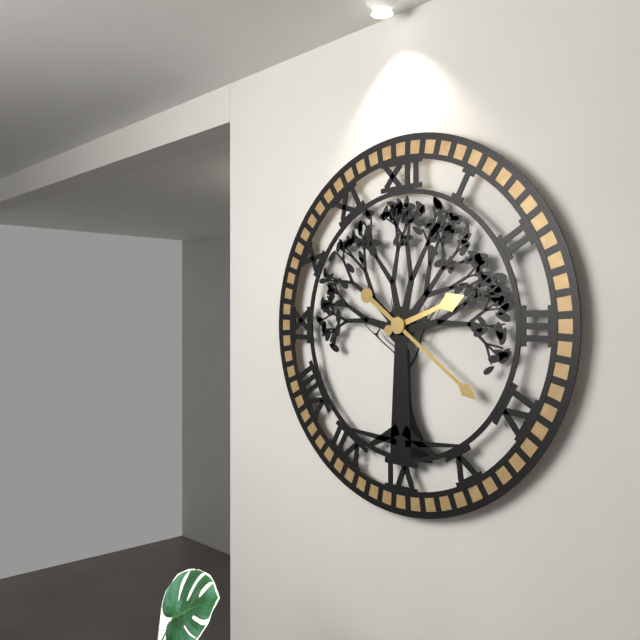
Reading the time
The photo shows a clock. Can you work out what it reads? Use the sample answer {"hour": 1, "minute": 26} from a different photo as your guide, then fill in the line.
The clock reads {"hour": 2, "minute": 21}
